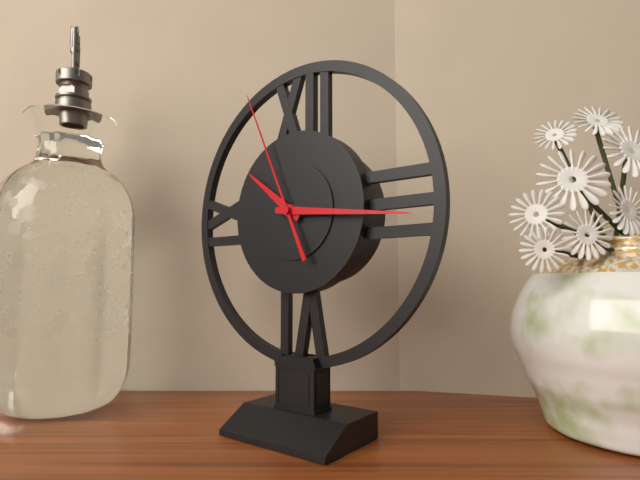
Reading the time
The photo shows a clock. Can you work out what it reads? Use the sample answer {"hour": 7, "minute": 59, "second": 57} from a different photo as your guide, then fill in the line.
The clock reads {"hour": 10, "minute": 16, "second": 56}
